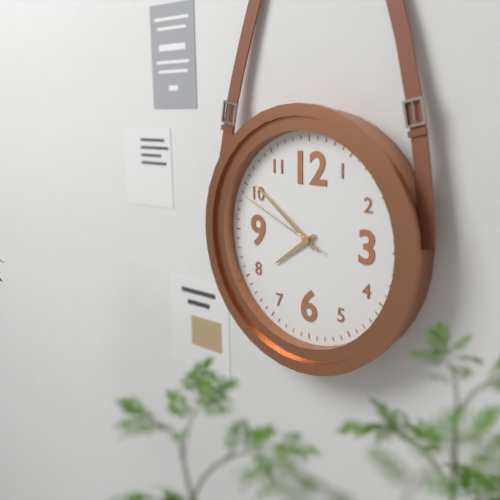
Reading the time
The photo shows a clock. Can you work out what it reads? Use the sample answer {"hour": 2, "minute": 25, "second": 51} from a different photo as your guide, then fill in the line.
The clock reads {"hour": 7, "minute": 51, "second": 49}
